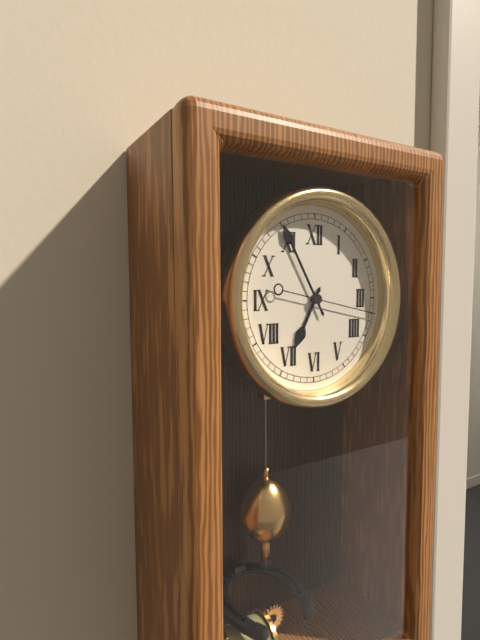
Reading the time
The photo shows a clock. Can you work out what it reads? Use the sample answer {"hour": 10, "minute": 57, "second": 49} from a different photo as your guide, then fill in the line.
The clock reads {"hour": 6, "minute": 55, "second": 17}
